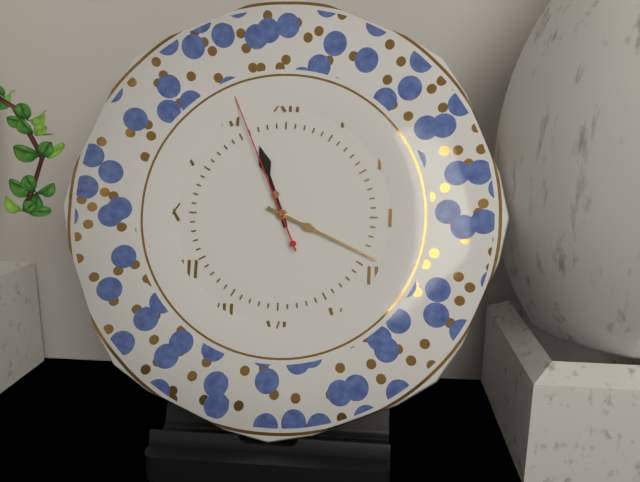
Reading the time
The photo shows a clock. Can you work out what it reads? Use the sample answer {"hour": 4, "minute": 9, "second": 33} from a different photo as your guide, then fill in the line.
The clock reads {"hour": 11, "minute": 19, "second": 56}
